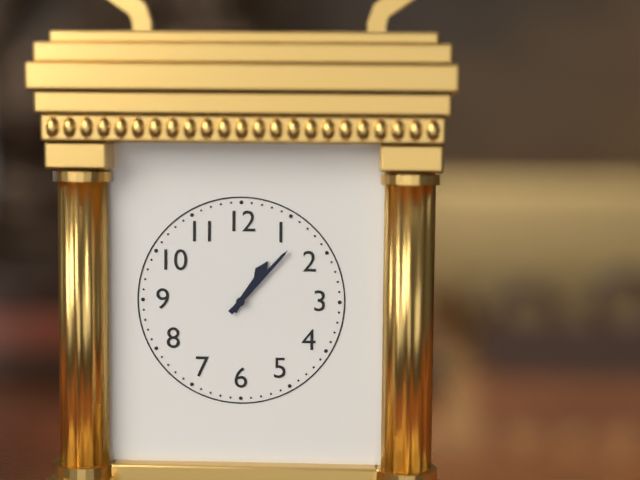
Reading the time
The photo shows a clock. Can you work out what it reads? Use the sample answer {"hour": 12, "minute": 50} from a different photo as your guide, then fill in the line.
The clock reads {"hour": 1, "minute": 7}
